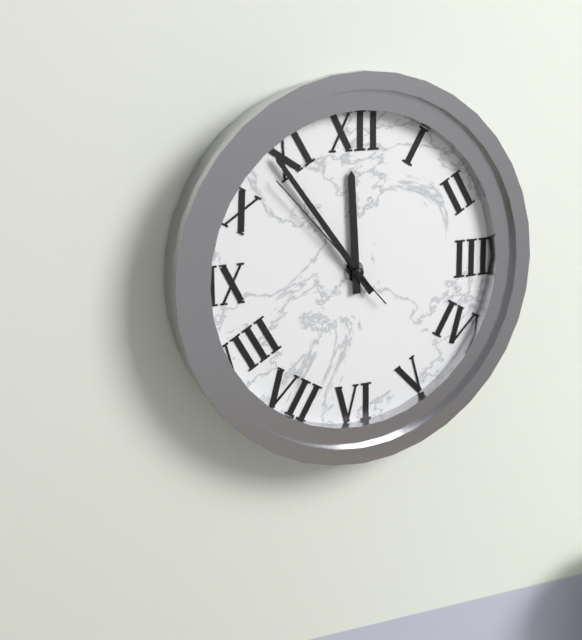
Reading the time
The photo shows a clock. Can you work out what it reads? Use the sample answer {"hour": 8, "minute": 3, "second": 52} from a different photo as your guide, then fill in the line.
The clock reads {"hour": 11, "minute": 54, "second": 53}
